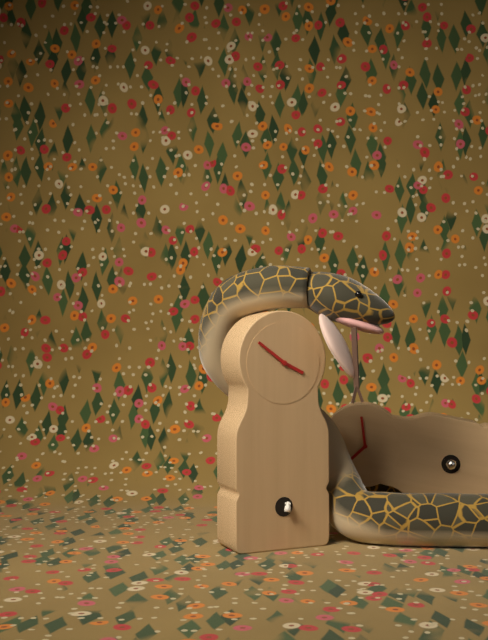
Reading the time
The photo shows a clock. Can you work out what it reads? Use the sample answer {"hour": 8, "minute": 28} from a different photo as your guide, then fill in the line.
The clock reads {"hour": 3, "minute": 51}
